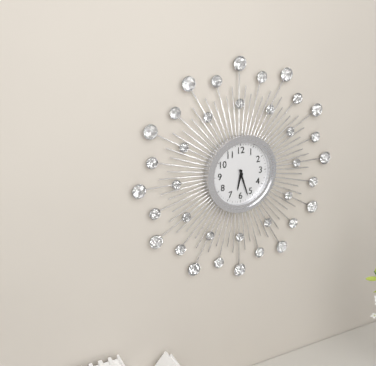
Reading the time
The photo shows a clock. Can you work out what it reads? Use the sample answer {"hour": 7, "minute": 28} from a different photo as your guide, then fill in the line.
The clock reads {"hour": 6, "minute": 27}
